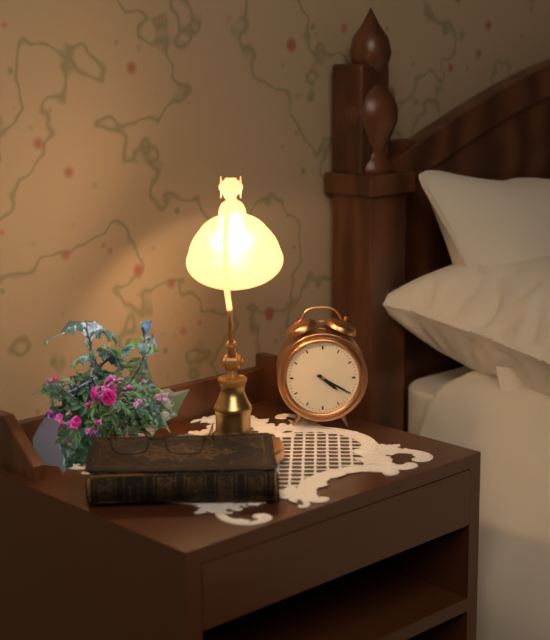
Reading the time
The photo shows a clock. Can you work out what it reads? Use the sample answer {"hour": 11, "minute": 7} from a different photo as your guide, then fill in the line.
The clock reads {"hour": 4, "minute": 20}
